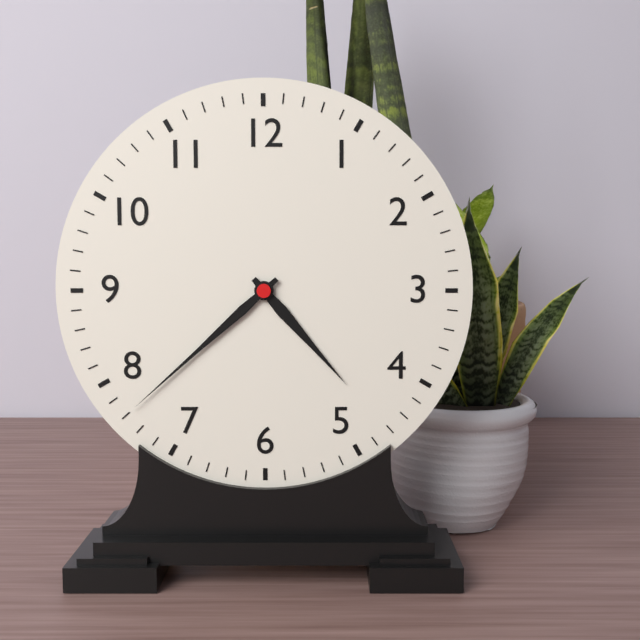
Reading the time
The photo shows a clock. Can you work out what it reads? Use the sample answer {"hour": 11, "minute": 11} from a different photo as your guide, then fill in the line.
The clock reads {"hour": 4, "minute": 38}
